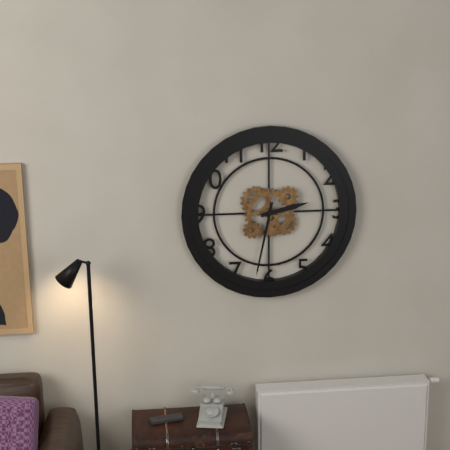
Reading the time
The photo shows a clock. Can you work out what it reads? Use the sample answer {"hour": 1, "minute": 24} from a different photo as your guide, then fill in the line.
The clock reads {"hour": 2, "minute": 32}
